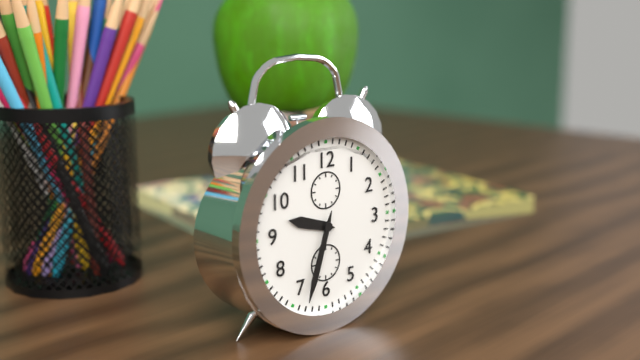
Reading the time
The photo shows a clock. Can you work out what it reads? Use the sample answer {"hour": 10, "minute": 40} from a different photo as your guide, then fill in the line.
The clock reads {"hour": 9, "minute": 33}
